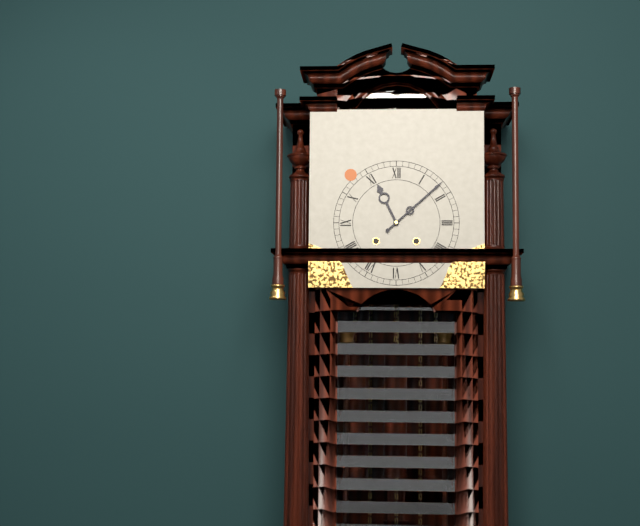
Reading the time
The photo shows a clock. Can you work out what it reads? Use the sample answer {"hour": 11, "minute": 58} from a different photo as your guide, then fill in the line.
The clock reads {"hour": 11, "minute": 8}
